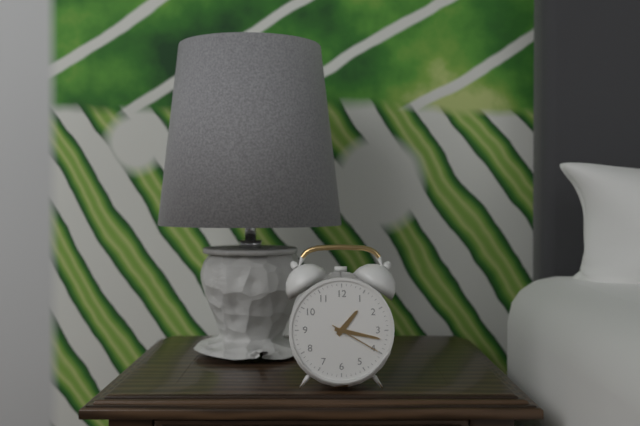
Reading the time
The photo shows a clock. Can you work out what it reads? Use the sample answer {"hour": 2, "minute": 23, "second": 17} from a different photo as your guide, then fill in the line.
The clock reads {"hour": 1, "minute": 17, "second": 20}
